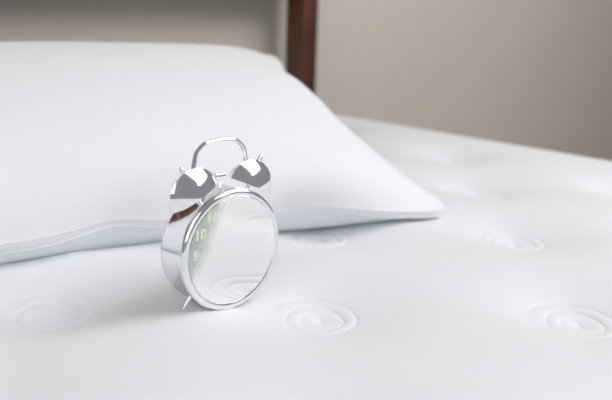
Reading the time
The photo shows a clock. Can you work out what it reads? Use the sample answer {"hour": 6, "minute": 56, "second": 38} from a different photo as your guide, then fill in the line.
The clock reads {"hour": 4, "minute": 4, "second": 58}
